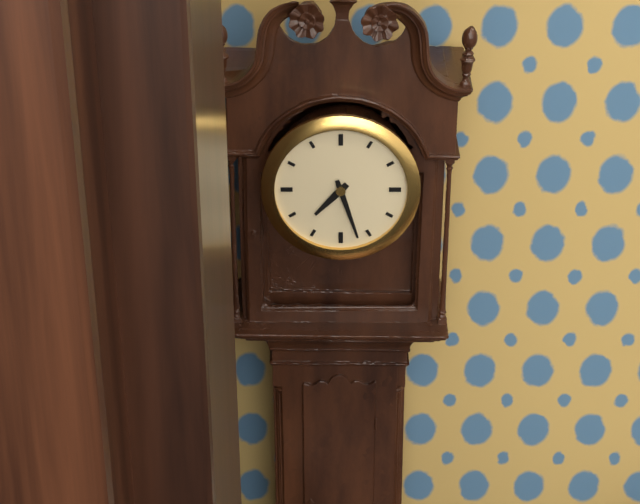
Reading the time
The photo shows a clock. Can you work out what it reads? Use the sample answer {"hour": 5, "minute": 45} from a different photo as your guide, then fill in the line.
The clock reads {"hour": 7, "minute": 27}
